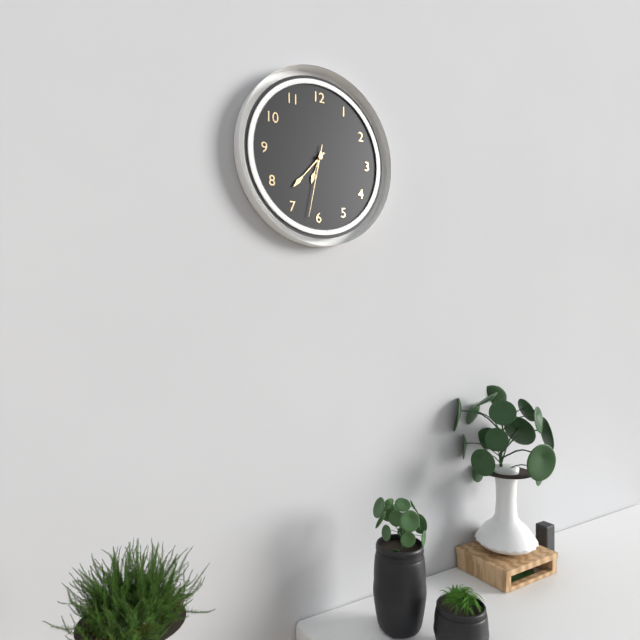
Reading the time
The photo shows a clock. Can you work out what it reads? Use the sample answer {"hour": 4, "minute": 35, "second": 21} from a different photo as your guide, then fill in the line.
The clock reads {"hour": 6, "minute": 37, "second": 32}
